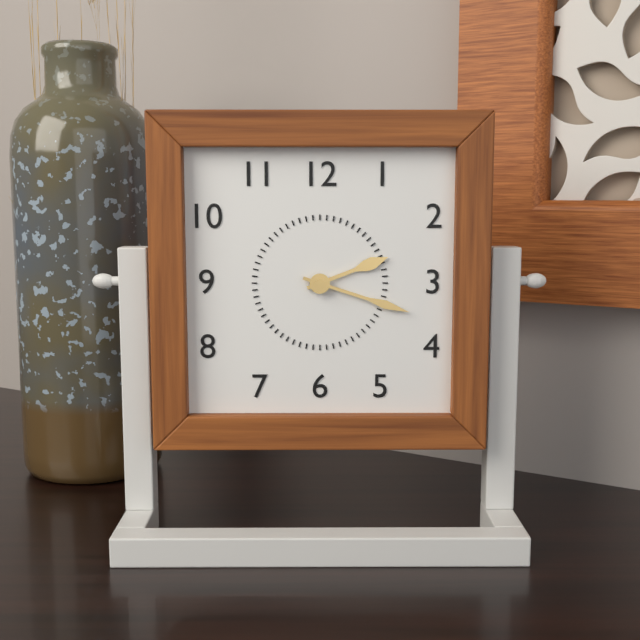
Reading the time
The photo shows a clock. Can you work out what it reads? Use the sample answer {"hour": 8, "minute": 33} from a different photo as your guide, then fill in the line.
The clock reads {"hour": 2, "minute": 18}
